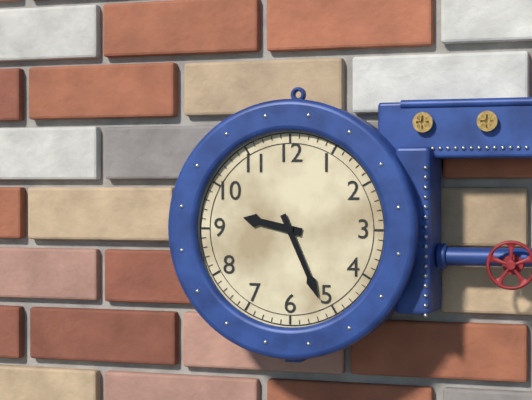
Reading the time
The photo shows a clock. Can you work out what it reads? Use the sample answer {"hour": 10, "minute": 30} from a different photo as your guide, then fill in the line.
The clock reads {"hour": 9, "minute": 26}
